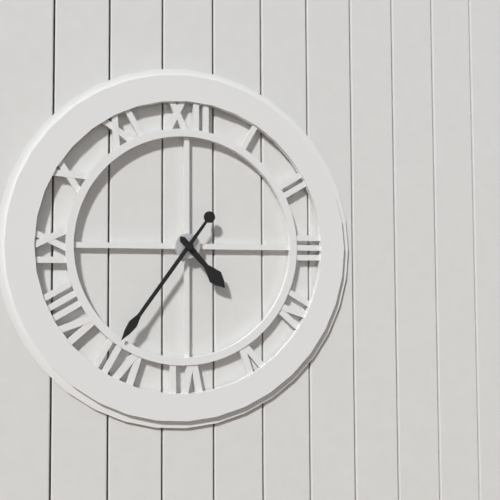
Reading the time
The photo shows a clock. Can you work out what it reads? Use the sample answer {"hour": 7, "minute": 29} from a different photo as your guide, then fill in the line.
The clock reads {"hour": 4, "minute": 36}
